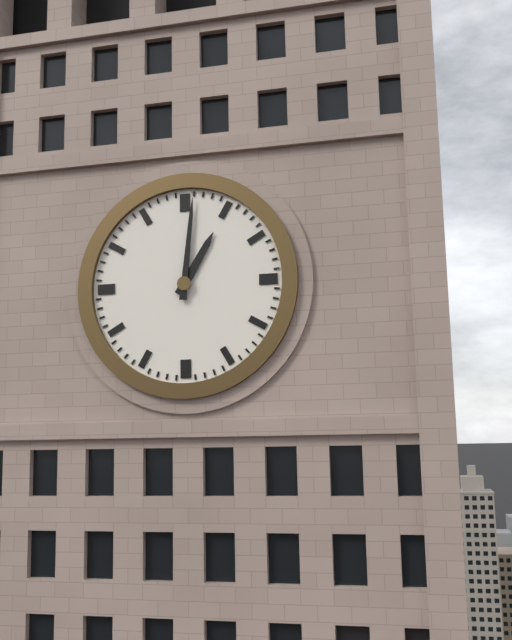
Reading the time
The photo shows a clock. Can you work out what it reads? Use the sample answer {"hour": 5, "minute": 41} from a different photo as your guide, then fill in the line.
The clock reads {"hour": 1, "minute": 1}
